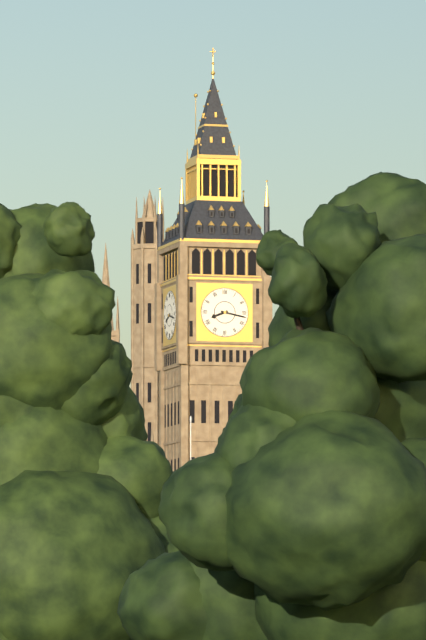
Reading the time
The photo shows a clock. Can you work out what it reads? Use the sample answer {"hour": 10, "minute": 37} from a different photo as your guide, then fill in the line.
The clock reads {"hour": 8, "minute": 17}
